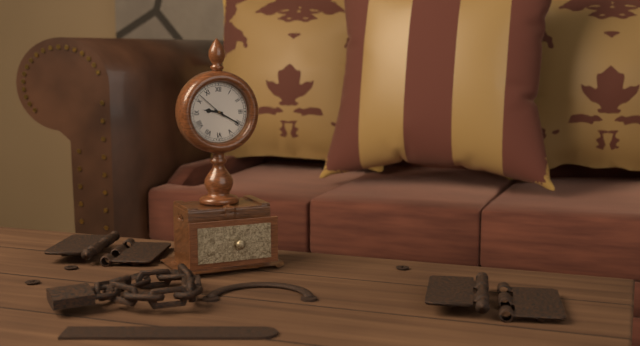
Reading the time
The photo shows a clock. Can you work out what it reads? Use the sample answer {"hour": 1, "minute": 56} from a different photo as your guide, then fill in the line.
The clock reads {"hour": 9, "minute": 20}
